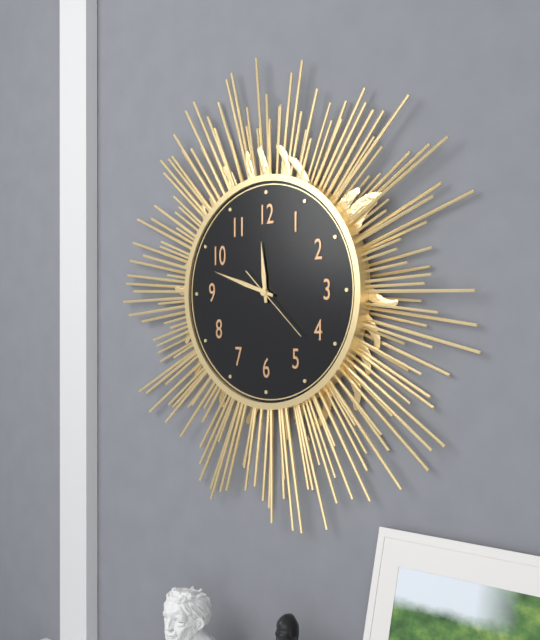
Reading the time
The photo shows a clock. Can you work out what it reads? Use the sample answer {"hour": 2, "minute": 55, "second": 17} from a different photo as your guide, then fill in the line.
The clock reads {"hour": 11, "minute": 48, "second": 22}
